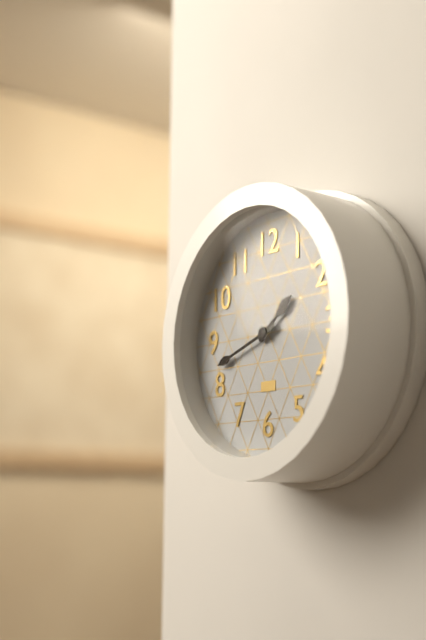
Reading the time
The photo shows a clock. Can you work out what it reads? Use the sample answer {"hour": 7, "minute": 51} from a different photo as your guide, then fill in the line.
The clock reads {"hour": 1, "minute": 42}
